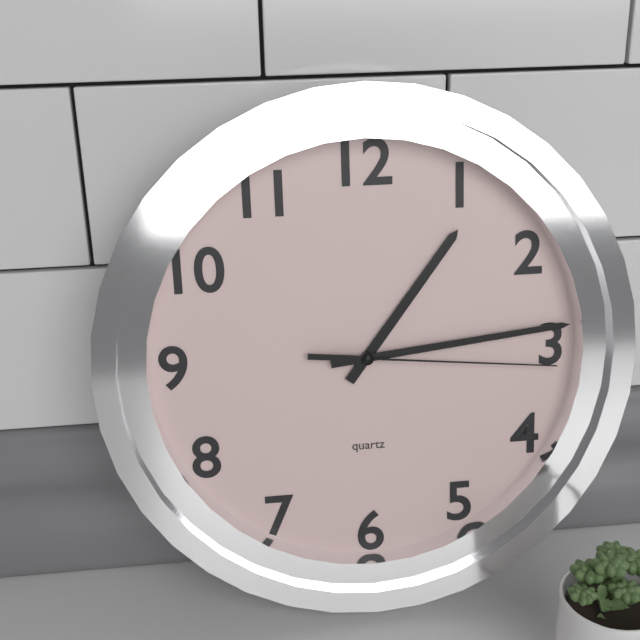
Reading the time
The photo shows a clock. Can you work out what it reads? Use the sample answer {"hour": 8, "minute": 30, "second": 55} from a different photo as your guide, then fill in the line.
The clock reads {"hour": 1, "minute": 14, "second": 16}
